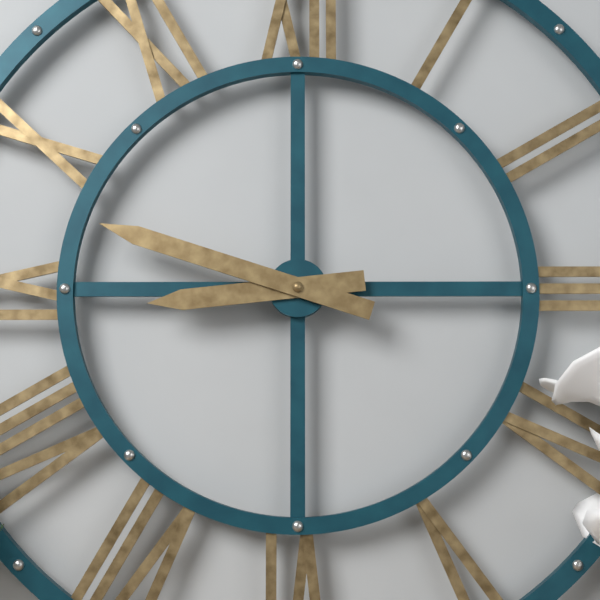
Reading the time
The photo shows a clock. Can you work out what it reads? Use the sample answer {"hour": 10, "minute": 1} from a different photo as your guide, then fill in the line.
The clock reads {"hour": 8, "minute": 48}
